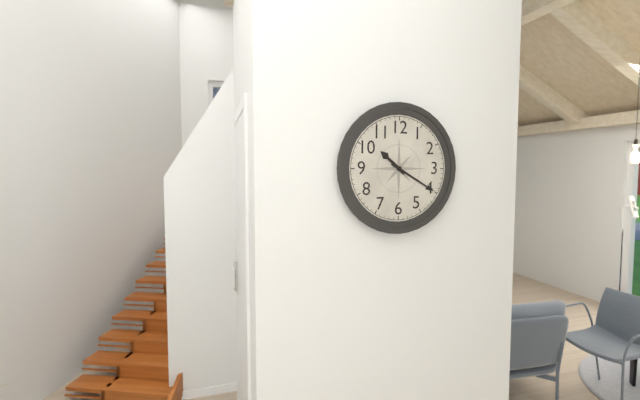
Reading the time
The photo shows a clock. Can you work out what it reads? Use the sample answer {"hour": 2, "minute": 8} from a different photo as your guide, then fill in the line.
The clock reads {"hour": 10, "minute": 20}
